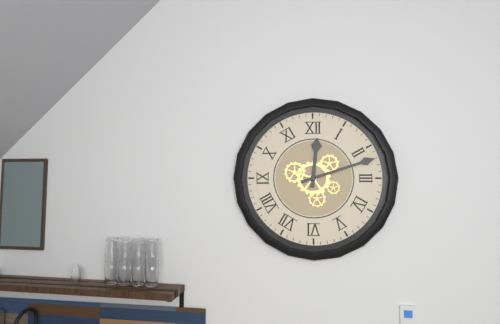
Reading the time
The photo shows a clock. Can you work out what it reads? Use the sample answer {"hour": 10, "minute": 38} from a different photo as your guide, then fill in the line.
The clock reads {"hour": 12, "minute": 12}
